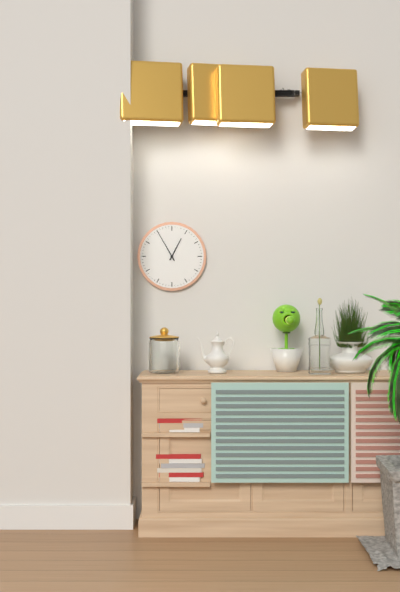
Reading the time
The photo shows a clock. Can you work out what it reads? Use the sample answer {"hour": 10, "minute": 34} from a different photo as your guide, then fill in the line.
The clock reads {"hour": 12, "minute": 55}
